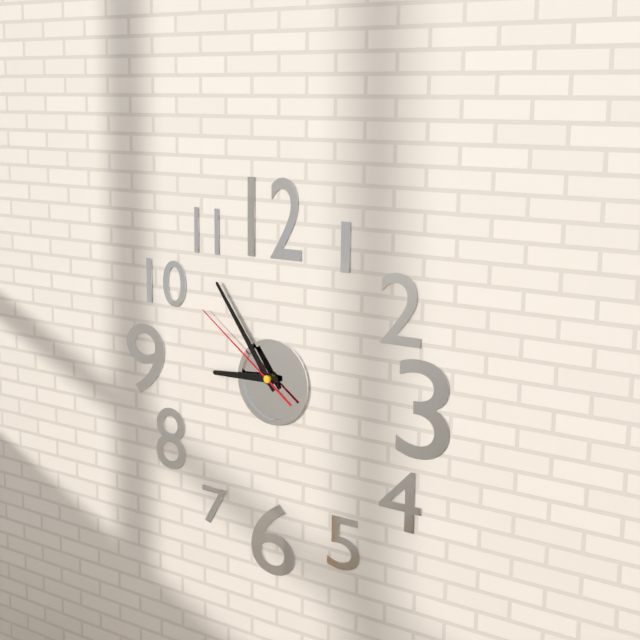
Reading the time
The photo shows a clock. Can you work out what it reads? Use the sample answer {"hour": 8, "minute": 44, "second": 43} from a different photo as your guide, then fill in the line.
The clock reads {"hour": 8, "minute": 54, "second": 51}
